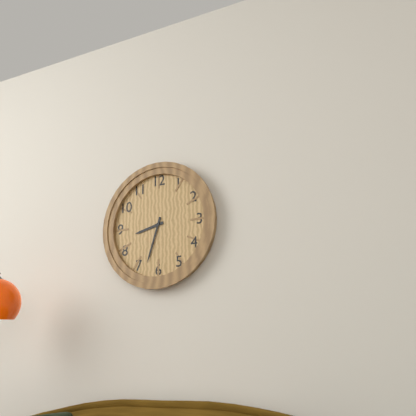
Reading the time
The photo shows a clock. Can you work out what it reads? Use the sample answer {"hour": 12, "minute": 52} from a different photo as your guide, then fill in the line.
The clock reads {"hour": 8, "minute": 33}
